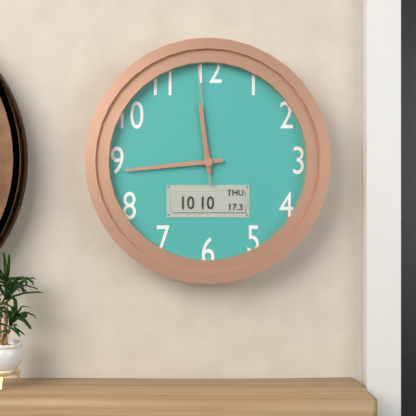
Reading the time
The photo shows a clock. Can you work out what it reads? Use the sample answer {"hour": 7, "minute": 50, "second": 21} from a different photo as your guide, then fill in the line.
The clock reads {"hour": 11, "minute": 44, "second": 59}
